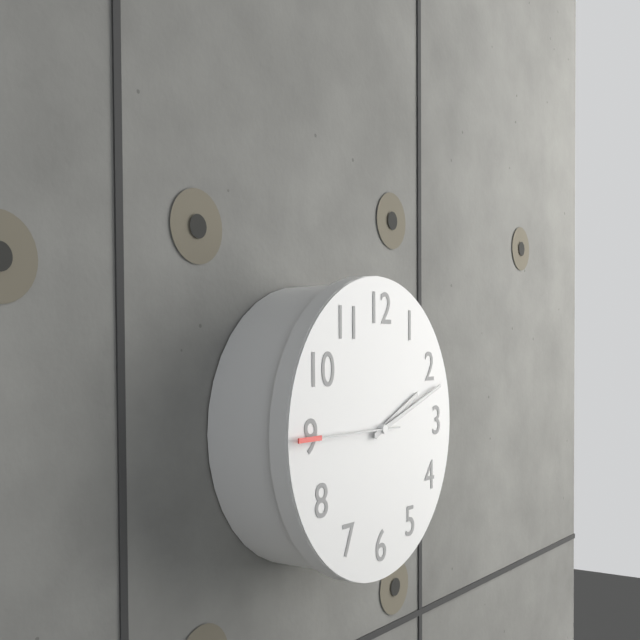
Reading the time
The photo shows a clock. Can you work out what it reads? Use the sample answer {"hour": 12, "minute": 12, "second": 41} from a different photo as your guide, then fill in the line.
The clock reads {"hour": 2, "minute": 12, "second": 45}
